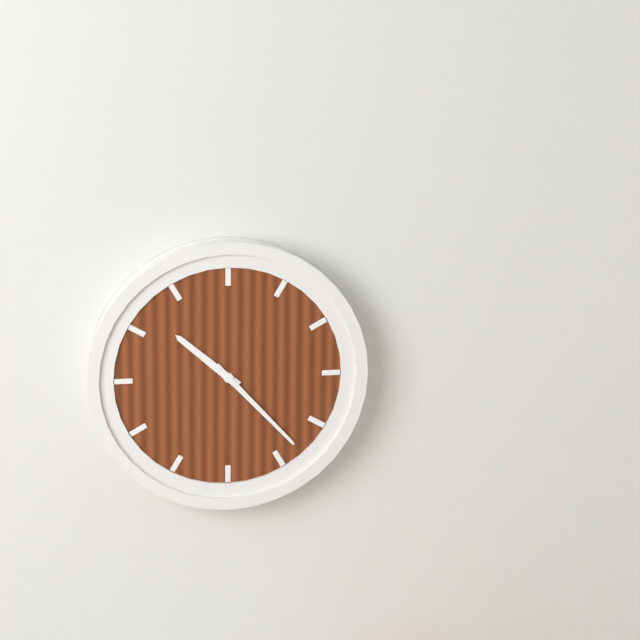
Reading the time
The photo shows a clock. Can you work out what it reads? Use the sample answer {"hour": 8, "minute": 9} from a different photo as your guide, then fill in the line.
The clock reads {"hour": 10, "minute": 23}
